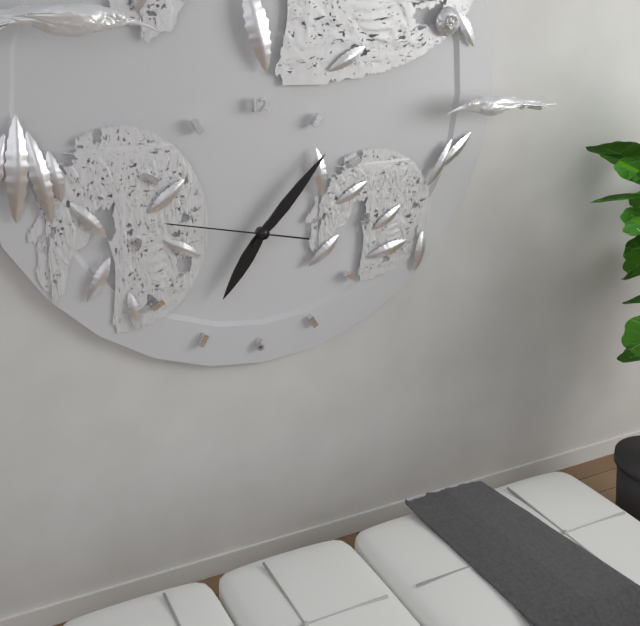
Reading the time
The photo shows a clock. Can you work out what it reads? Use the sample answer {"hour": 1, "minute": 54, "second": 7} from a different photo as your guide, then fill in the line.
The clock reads {"hour": 7, "minute": 7, "second": 47}
